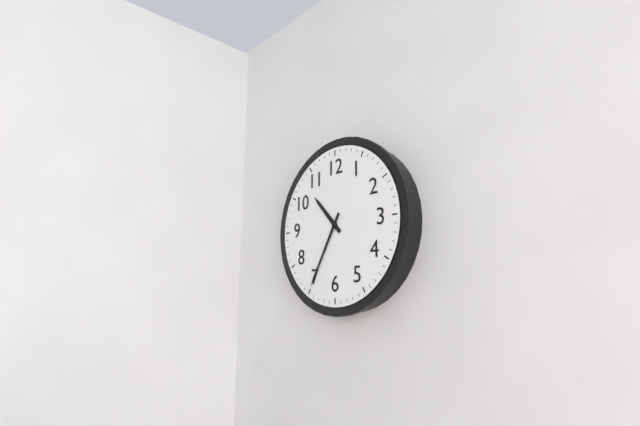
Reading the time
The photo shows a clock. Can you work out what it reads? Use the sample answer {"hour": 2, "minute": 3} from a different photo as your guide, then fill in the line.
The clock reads {"hour": 10, "minute": 35}
